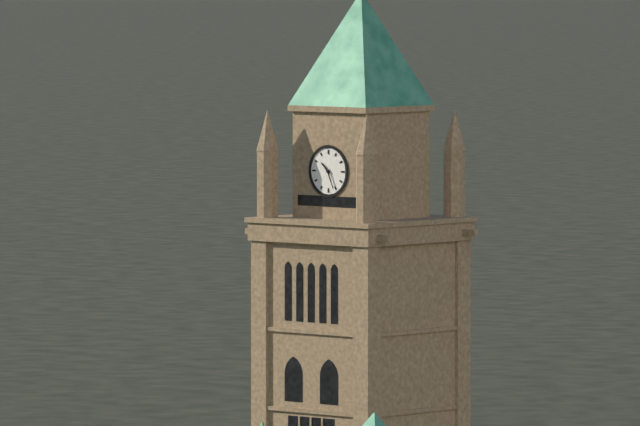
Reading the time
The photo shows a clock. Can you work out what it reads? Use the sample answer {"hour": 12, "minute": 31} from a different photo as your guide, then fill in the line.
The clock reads {"hour": 10, "minute": 26}
